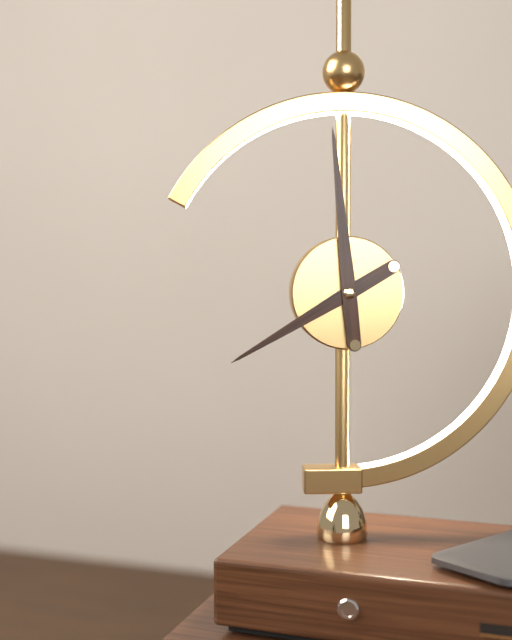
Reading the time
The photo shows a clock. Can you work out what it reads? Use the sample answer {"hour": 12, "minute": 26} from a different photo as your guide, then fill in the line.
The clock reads {"hour": 7, "minute": 59}
